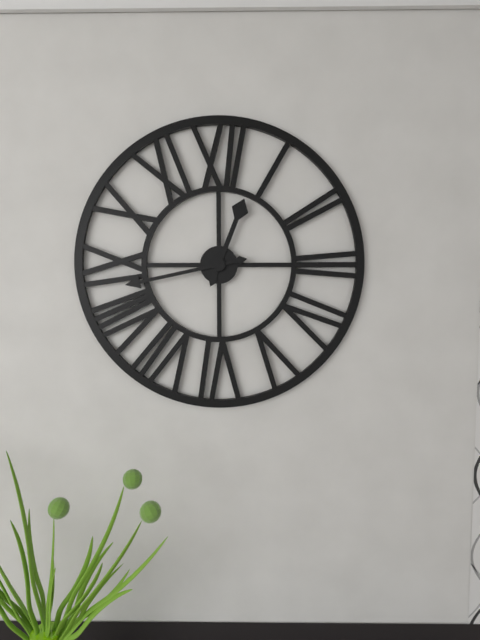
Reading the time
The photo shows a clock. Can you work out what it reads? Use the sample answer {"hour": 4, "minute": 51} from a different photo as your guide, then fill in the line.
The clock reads {"hour": 12, "minute": 43}
